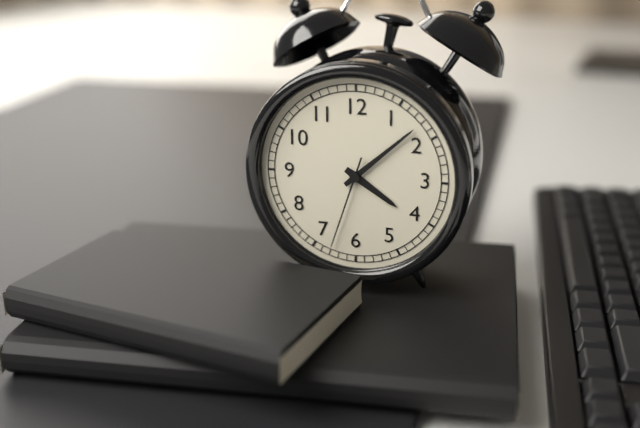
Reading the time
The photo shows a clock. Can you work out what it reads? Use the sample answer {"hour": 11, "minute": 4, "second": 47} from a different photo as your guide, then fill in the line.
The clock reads {"hour": 4, "minute": 8, "second": 33}
